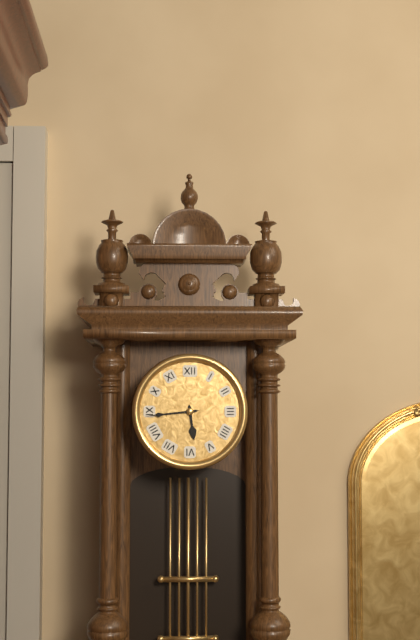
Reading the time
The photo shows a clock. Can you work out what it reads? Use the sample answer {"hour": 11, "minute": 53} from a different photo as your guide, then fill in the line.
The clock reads {"hour": 5, "minute": 44}
